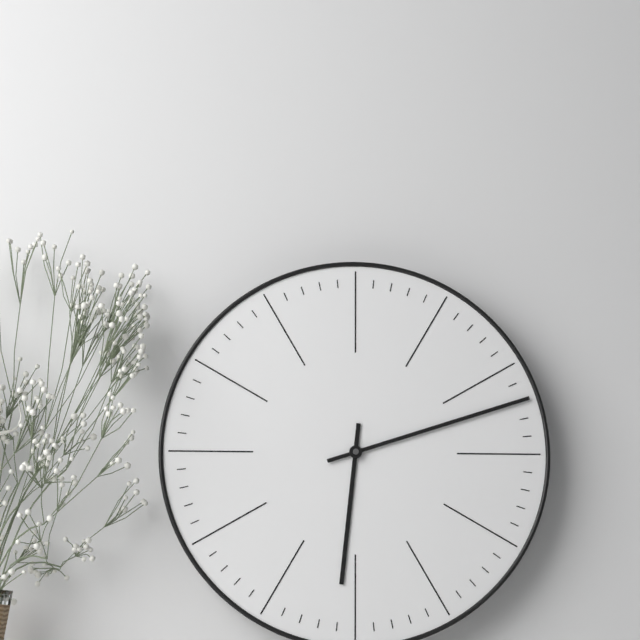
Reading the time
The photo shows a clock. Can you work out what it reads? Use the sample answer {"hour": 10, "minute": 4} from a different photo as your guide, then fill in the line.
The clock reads {"hour": 6, "minute": 12}
